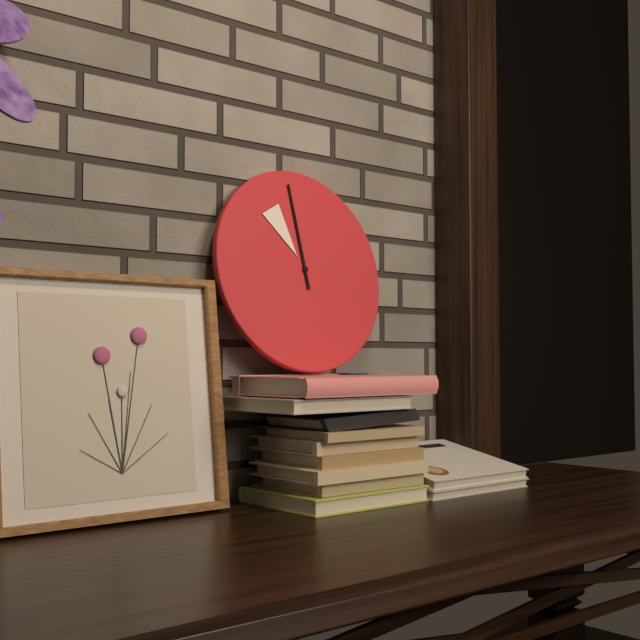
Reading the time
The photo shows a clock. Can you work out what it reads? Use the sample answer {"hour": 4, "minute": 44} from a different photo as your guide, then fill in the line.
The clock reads {"hour": 10, "minute": 59}
